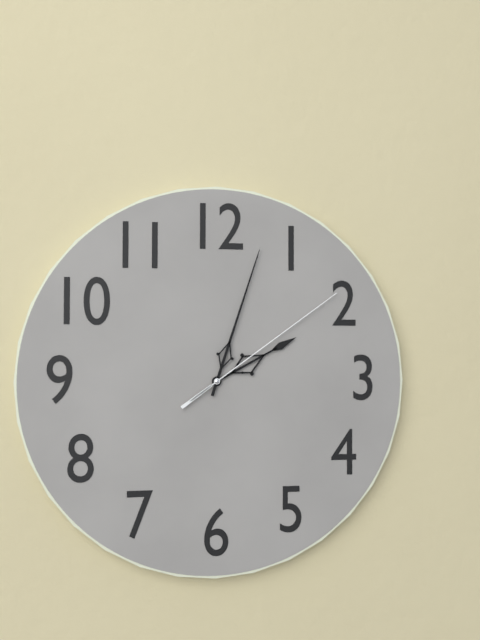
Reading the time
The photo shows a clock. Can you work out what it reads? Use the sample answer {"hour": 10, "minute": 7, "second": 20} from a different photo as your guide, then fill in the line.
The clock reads {"hour": 2, "minute": 3, "second": 9}
